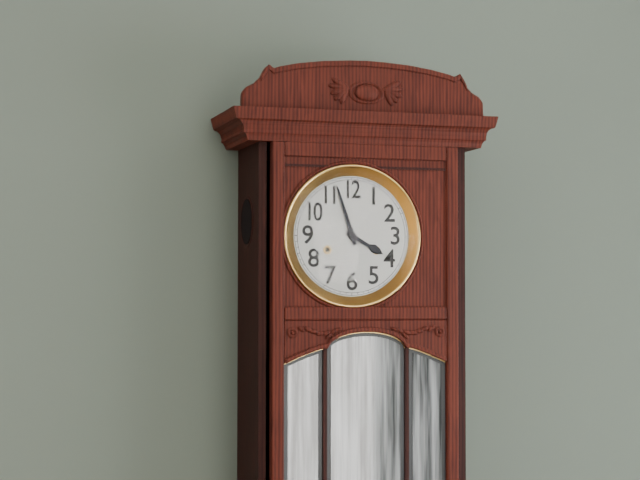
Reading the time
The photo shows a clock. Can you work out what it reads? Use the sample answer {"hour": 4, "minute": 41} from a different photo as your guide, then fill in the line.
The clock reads {"hour": 3, "minute": 57}
